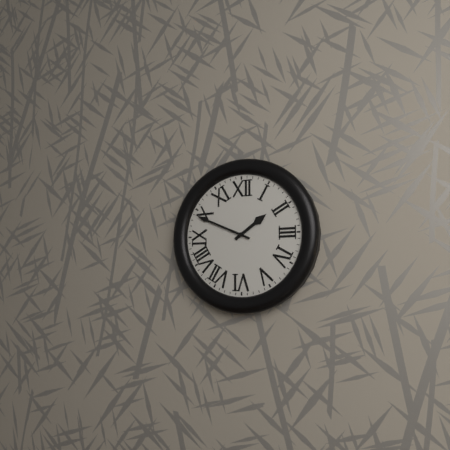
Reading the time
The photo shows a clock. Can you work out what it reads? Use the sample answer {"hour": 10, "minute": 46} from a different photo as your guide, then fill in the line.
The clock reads {"hour": 1, "minute": 49}
